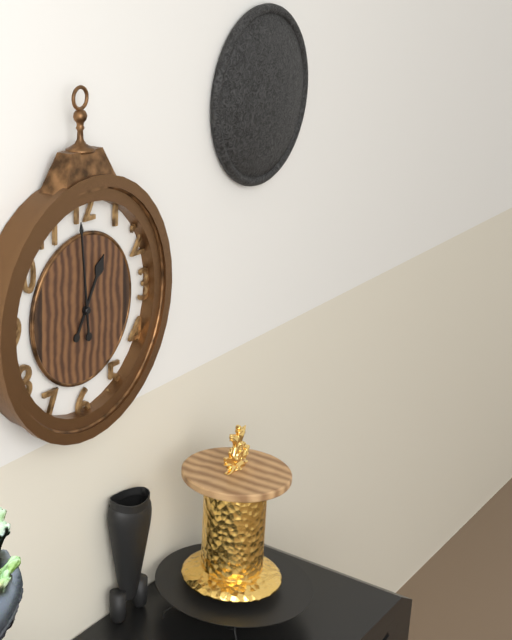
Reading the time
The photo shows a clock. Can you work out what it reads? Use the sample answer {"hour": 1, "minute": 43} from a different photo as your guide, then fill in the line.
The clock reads {"hour": 12, "minute": 59}
